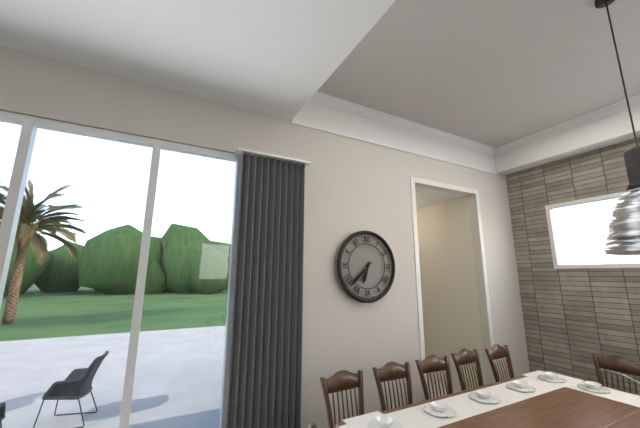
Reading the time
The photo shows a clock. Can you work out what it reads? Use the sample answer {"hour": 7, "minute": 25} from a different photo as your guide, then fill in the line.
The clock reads {"hour": 6, "minute": 38}
